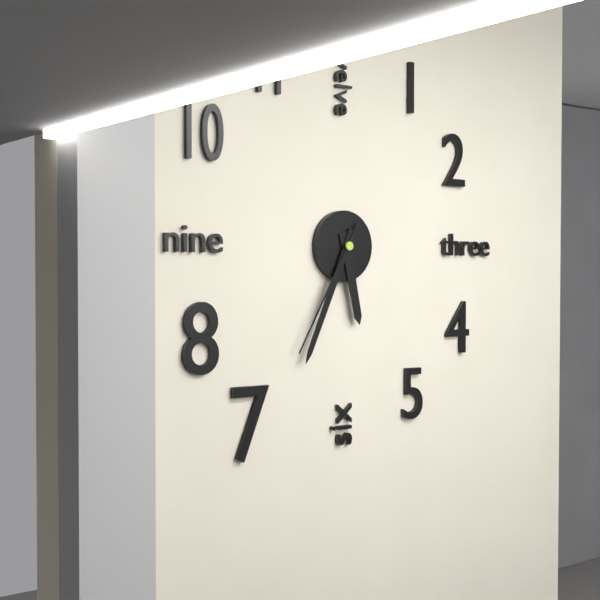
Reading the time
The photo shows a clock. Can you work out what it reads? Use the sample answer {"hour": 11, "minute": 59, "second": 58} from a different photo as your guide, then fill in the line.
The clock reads {"hour": 5, "minute": 34, "second": 35}
